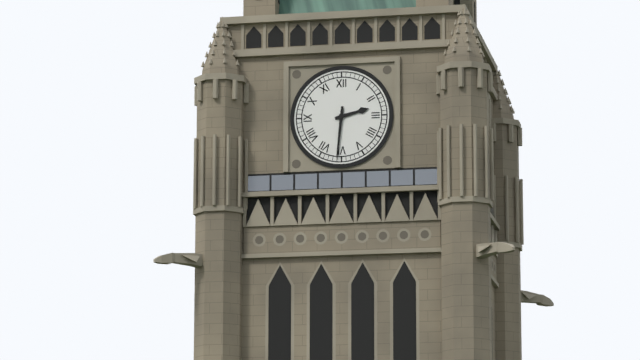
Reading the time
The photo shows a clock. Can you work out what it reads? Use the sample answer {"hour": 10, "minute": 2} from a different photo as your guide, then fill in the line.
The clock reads {"hour": 2, "minute": 31}
